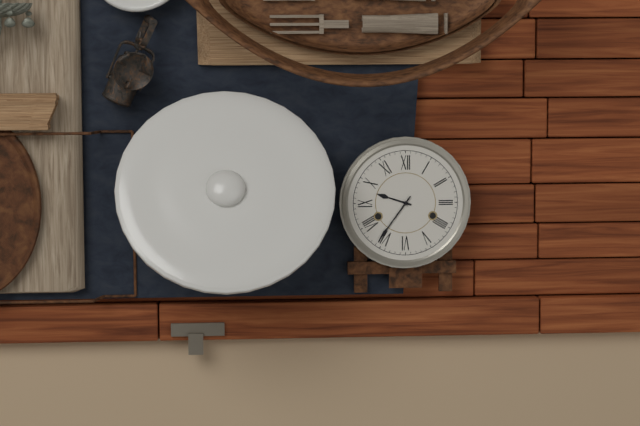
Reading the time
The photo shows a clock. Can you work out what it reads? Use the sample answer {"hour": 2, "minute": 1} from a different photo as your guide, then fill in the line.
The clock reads {"hour": 9, "minute": 36}
